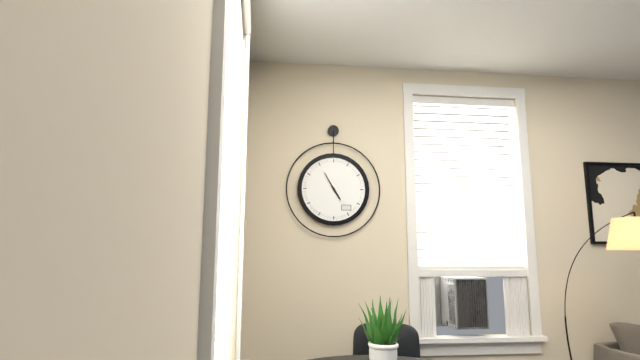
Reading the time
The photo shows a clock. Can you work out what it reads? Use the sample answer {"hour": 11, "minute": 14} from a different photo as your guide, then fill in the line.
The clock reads {"hour": 4, "minute": 55}
